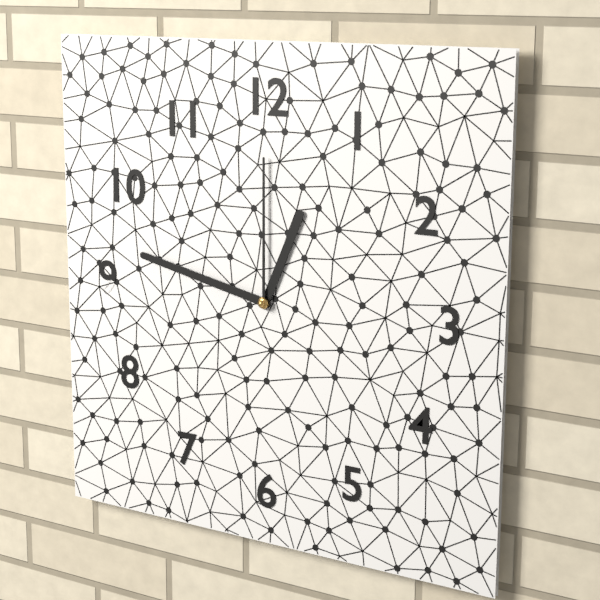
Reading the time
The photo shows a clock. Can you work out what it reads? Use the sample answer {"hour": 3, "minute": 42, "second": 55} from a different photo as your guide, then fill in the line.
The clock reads {"hour": 12, "minute": 47, "second": 0}
